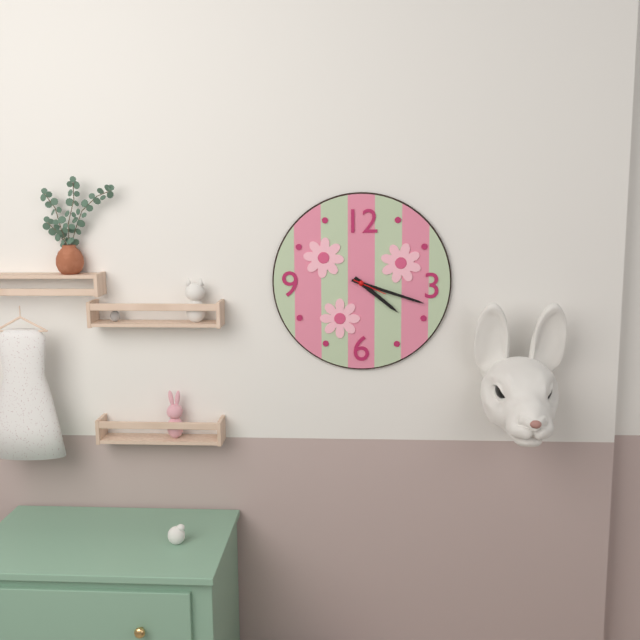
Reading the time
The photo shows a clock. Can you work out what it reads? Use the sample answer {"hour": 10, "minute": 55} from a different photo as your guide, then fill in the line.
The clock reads {"hour": 4, "minute": 18}
